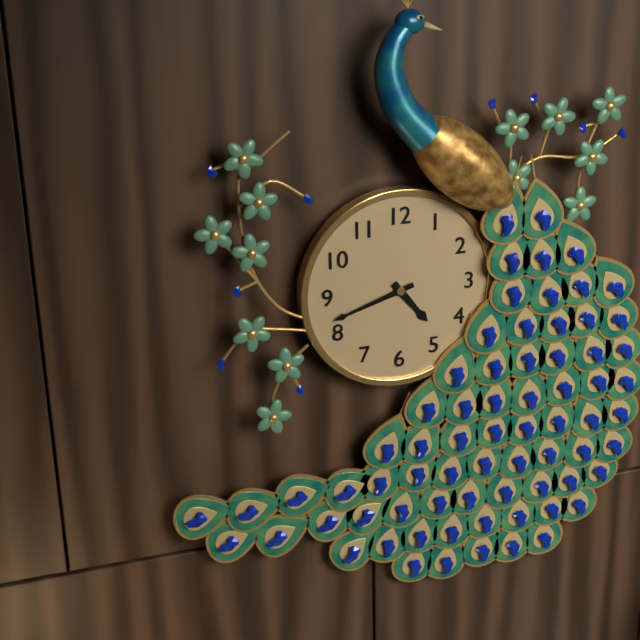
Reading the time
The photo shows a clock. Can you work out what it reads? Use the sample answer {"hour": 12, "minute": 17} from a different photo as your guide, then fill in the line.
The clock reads {"hour": 4, "minute": 42}
